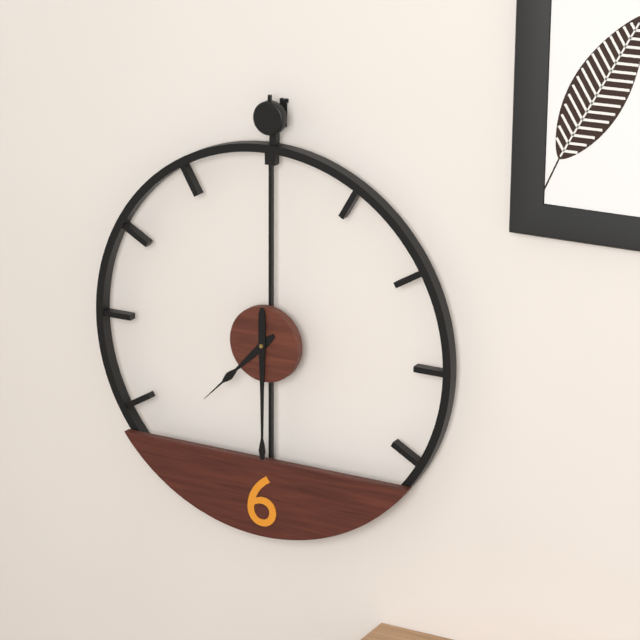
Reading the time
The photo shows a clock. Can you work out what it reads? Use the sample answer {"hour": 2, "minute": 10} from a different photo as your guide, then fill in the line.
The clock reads {"hour": 7, "minute": 30}
